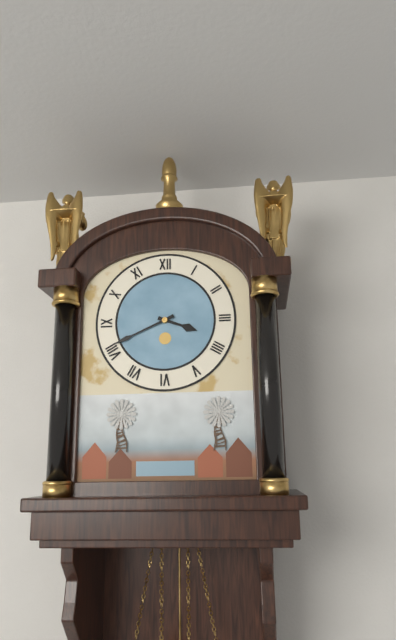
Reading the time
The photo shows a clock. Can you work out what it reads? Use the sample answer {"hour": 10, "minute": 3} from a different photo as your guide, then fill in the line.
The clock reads {"hour": 3, "minute": 41}
